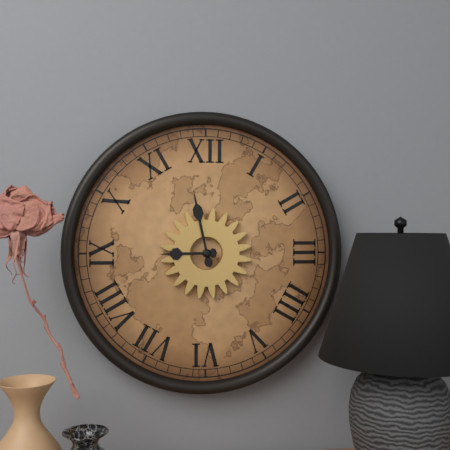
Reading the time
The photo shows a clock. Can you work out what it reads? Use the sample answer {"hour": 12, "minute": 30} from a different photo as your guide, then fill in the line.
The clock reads {"hour": 8, "minute": 58}
